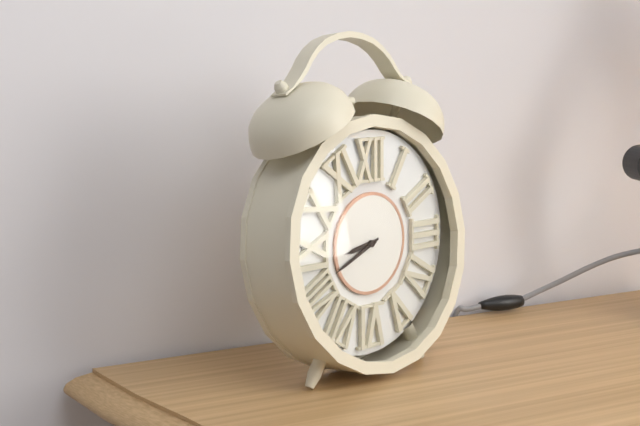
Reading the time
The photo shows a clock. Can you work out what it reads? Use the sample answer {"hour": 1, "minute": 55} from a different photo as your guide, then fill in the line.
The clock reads {"hour": 8, "minute": 41}
